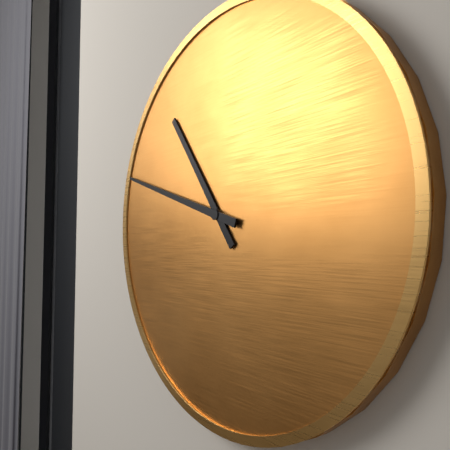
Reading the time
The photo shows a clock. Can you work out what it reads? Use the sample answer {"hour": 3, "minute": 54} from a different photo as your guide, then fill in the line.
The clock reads {"hour": 10, "minute": 48}
